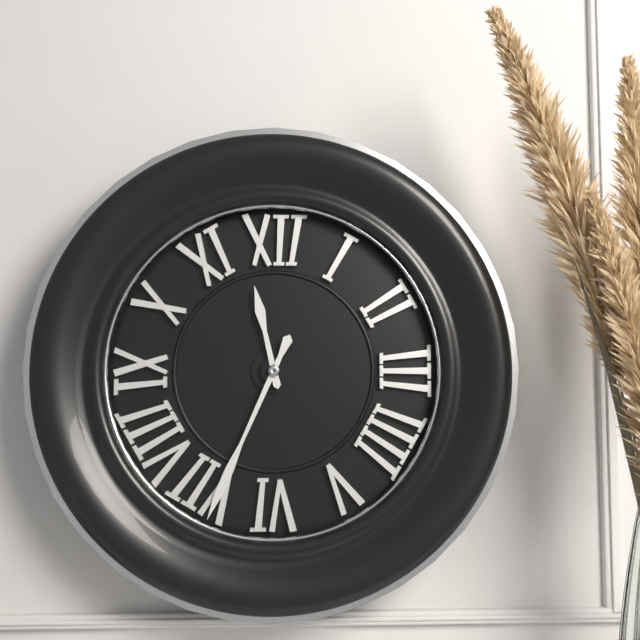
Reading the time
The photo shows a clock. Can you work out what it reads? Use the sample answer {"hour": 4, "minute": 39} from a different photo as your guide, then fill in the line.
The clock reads {"hour": 11, "minute": 34}
